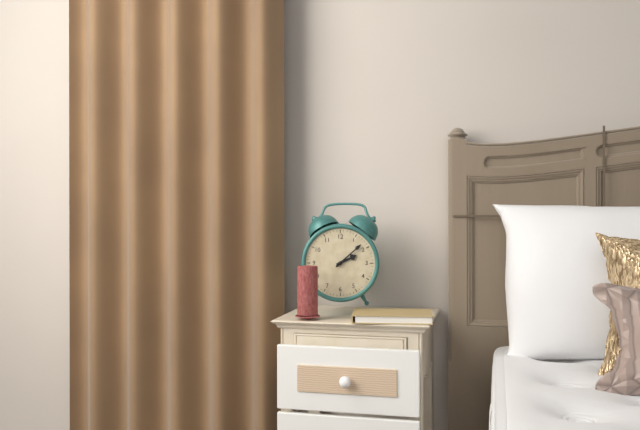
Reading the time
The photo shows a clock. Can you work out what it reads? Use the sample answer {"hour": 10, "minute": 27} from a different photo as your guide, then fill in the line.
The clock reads {"hour": 2, "minute": 8}
